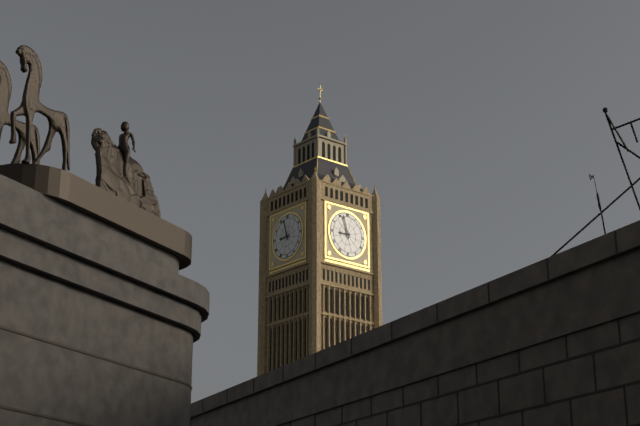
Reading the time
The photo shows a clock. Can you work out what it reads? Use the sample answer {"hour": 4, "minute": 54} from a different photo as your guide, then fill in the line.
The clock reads {"hour": 8, "minute": 57}
